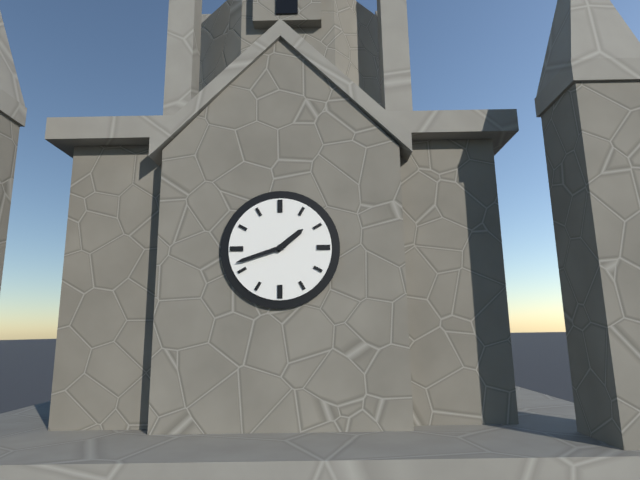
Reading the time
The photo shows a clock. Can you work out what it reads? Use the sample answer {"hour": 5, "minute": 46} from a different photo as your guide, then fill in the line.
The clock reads {"hour": 1, "minute": 42}
